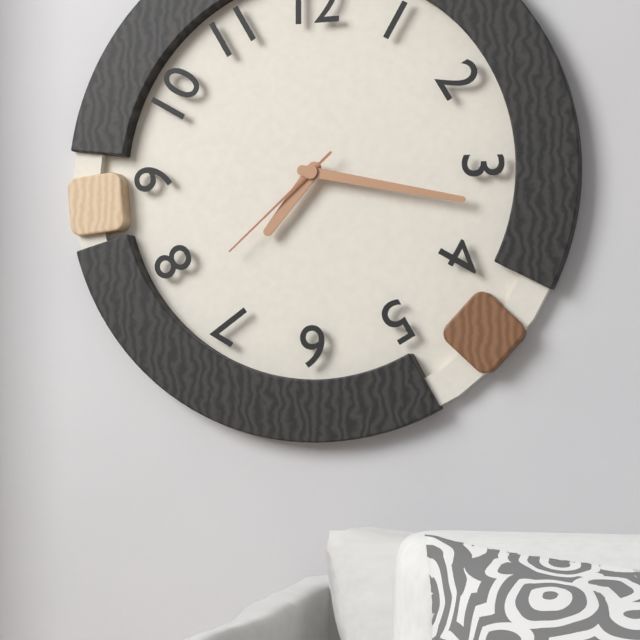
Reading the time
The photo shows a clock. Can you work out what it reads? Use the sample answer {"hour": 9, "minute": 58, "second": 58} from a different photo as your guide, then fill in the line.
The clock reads {"hour": 7, "minute": 17, "second": 38}
